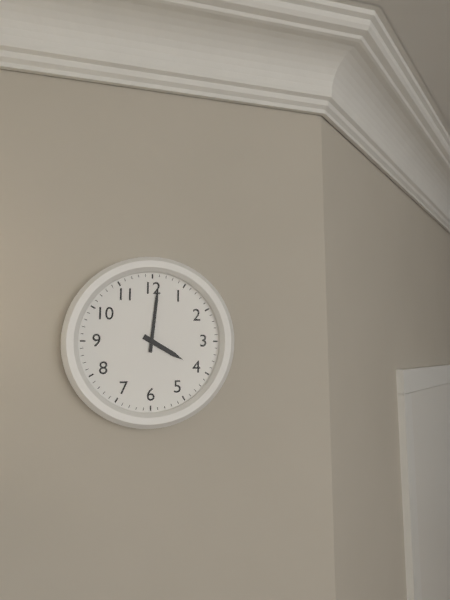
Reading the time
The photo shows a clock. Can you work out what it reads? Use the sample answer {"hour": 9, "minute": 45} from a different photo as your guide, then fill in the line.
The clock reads {"hour": 4, "minute": 1}
